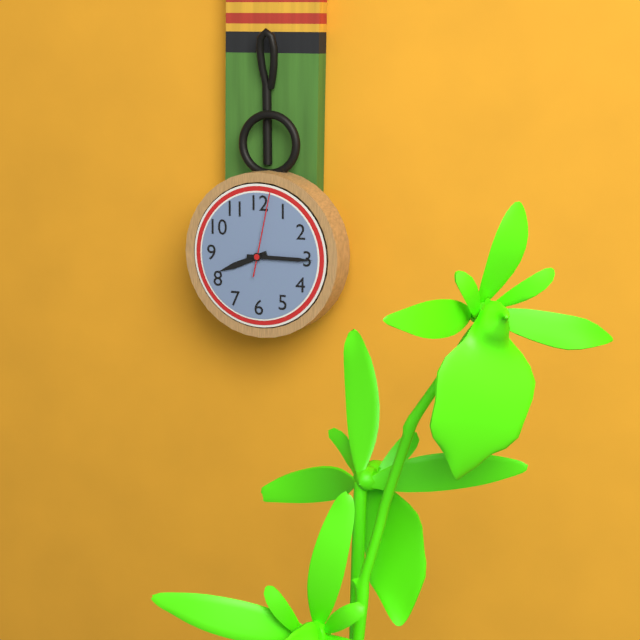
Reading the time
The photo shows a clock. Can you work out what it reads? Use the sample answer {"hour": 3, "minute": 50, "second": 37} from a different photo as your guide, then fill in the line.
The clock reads {"hour": 8, "minute": 15, "second": 2}
